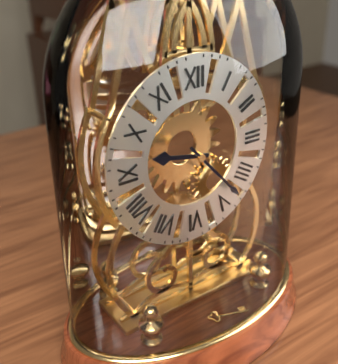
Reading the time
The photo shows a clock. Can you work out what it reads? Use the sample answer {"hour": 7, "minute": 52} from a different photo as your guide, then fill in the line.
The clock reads {"hour": 9, "minute": 23}
